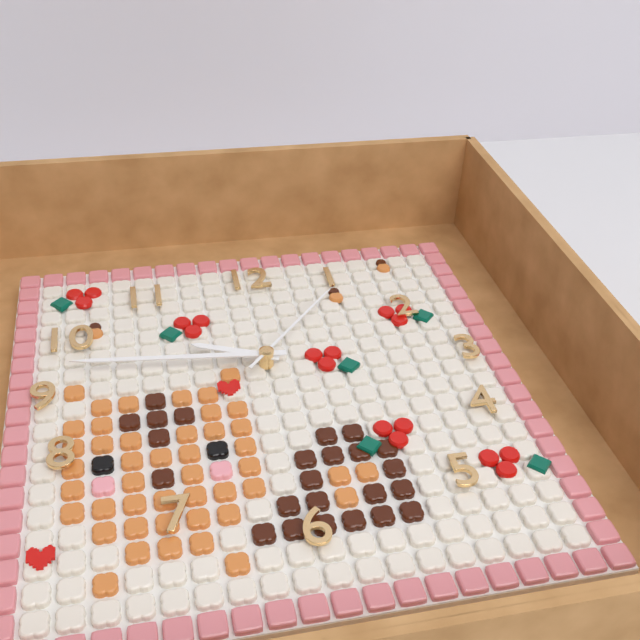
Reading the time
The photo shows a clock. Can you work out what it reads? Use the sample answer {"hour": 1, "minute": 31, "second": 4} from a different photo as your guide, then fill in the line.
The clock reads {"hour": 9, "minute": 46, "second": 7}
